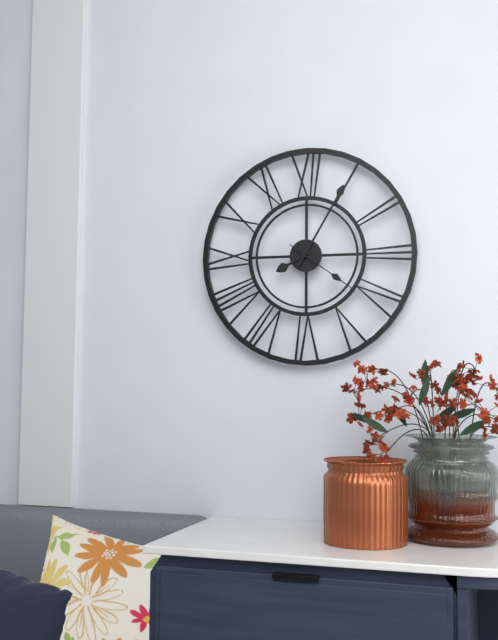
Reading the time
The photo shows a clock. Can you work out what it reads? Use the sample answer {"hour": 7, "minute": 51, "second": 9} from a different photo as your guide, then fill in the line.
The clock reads {"hour": 8, "minute": 5, "second": 21}
